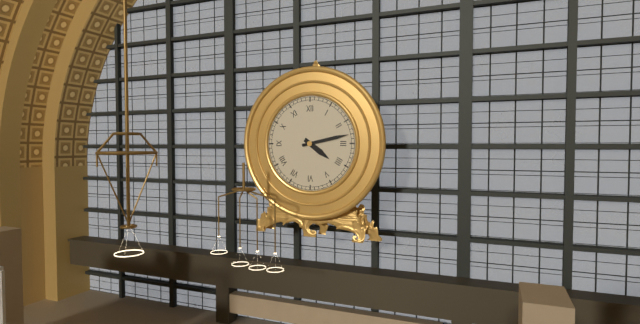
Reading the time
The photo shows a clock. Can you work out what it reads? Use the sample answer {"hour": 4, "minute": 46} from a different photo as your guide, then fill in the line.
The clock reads {"hour": 4, "minute": 13}
